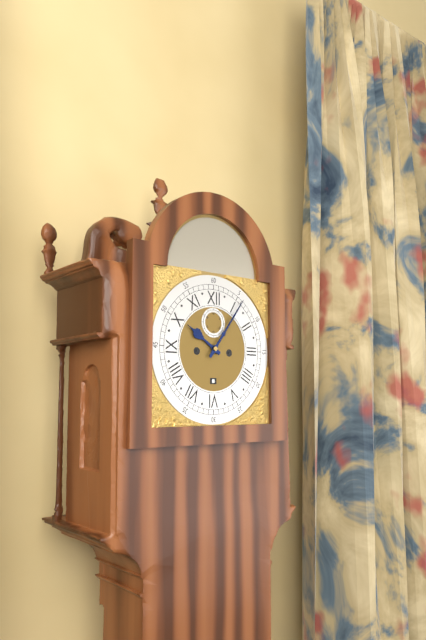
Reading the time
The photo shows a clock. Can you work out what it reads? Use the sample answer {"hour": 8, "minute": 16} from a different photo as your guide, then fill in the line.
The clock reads {"hour": 10, "minute": 6}
